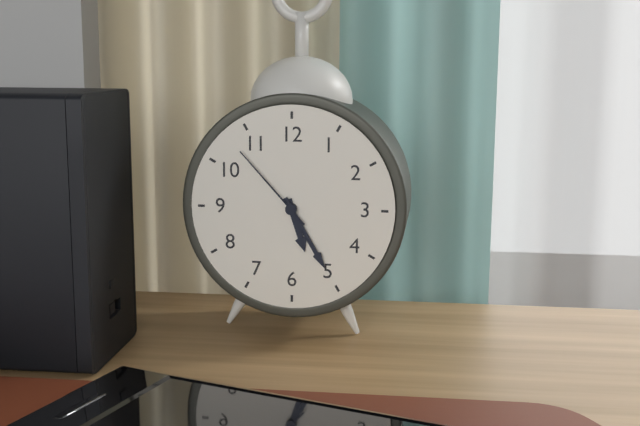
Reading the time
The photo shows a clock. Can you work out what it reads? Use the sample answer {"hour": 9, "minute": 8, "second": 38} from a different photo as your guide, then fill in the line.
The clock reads {"hour": 5, "minute": 25, "second": 53}
